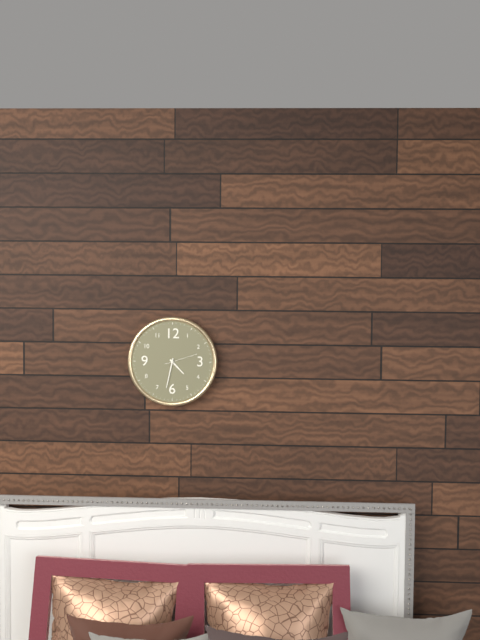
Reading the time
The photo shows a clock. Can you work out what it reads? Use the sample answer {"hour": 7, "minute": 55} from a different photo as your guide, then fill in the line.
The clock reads {"hour": 4, "minute": 32}
